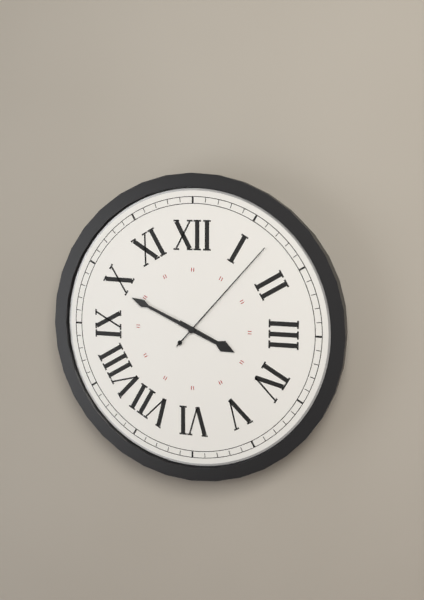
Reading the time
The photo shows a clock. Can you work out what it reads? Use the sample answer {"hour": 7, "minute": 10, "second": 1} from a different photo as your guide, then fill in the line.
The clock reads {"hour": 3, "minute": 49, "second": 7}
